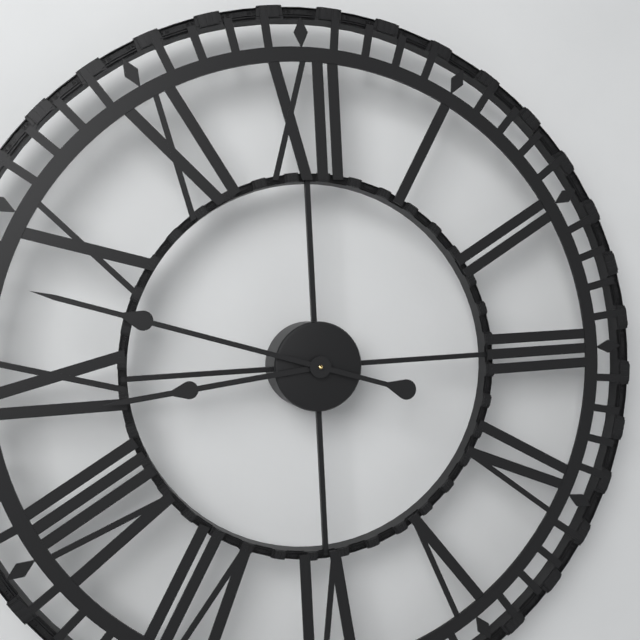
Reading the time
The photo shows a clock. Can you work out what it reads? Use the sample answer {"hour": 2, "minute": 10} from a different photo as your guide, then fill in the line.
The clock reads {"hour": 8, "minute": 48}
